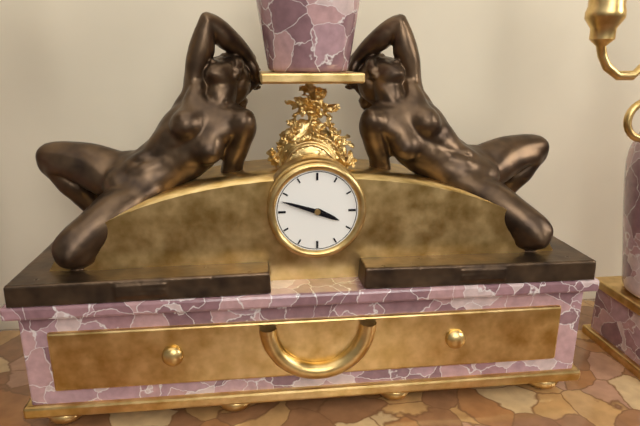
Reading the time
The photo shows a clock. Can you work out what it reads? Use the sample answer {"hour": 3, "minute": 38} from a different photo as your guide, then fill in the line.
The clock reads {"hour": 3, "minute": 48}
